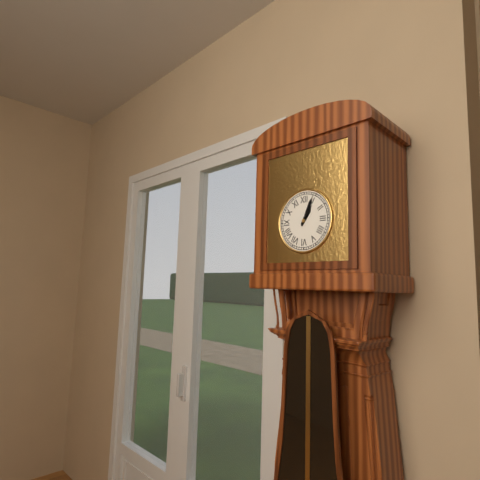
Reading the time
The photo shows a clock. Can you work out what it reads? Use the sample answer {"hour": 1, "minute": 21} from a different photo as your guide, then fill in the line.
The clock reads {"hour": 1, "minute": 4}
